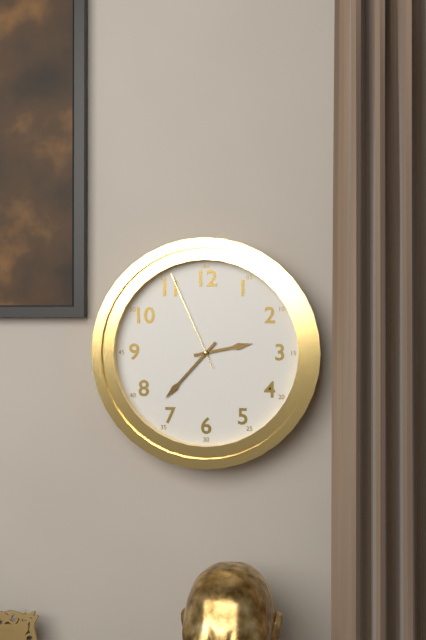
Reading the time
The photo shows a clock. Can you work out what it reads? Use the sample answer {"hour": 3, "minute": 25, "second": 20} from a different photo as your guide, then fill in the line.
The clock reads {"hour": 2, "minute": 37, "second": 56}
